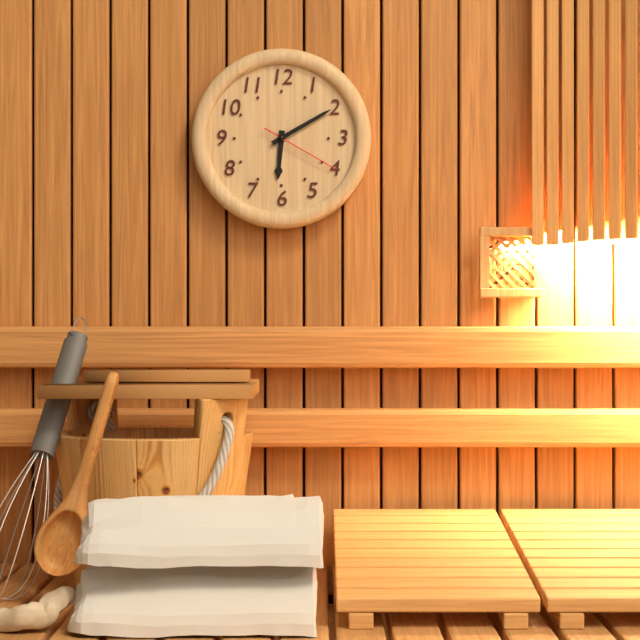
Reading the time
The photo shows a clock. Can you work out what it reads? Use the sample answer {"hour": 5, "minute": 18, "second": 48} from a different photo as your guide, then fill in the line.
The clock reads {"hour": 6, "minute": 10, "second": 20}
